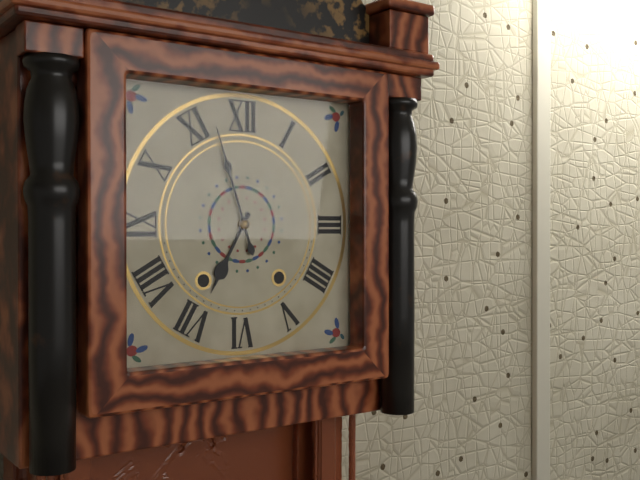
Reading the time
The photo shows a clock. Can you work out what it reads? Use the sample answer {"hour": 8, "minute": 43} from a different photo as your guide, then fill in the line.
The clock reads {"hour": 6, "minute": 57}
